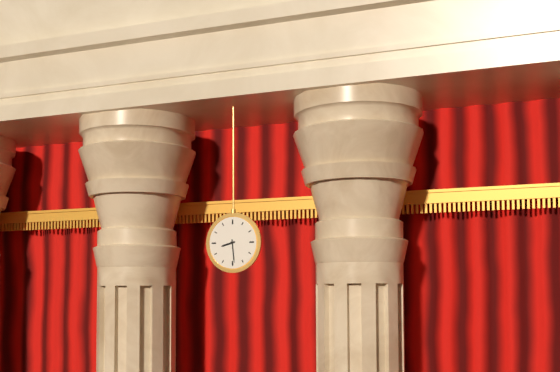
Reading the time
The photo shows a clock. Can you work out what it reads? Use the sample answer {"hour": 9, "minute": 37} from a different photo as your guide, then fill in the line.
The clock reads {"hour": 8, "minute": 29}
